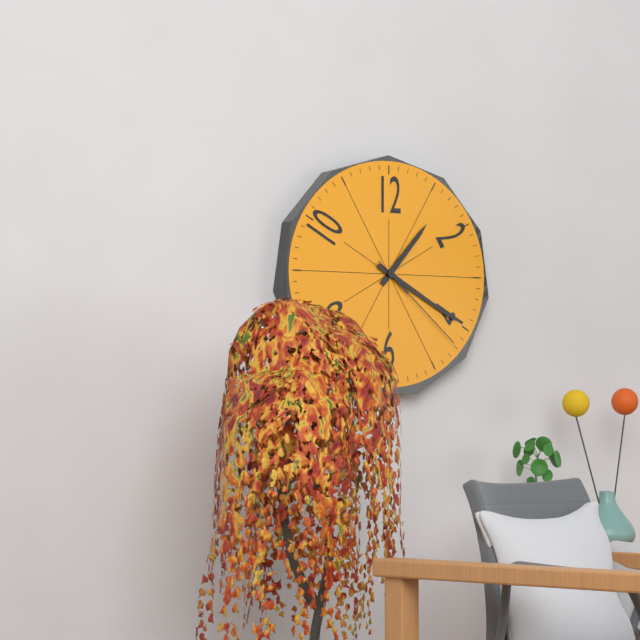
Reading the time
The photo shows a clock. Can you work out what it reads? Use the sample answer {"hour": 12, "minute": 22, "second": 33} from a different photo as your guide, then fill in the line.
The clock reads {"hour": 1, "minute": 20, "second": 22}
